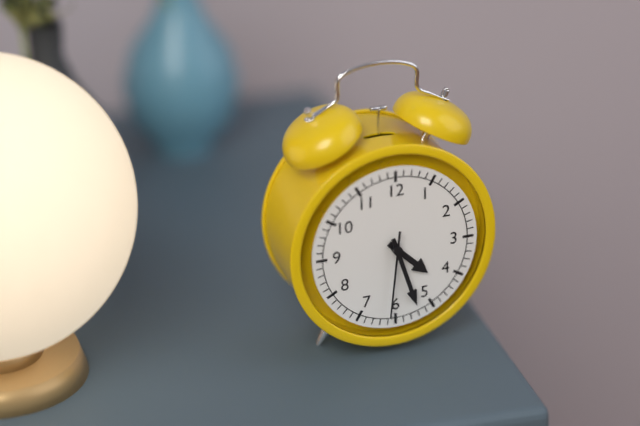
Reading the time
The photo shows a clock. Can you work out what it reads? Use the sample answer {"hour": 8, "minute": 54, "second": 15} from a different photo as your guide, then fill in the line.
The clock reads {"hour": 4, "minute": 27, "second": 31}
